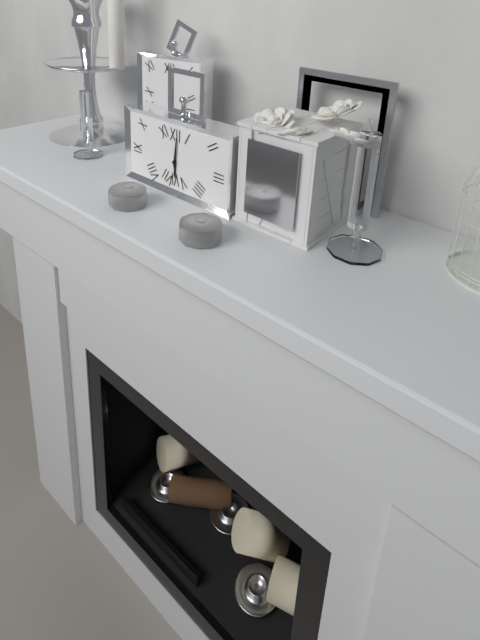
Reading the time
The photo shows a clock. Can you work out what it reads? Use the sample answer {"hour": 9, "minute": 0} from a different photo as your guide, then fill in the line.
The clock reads {"hour": 6, "minute": 1}
